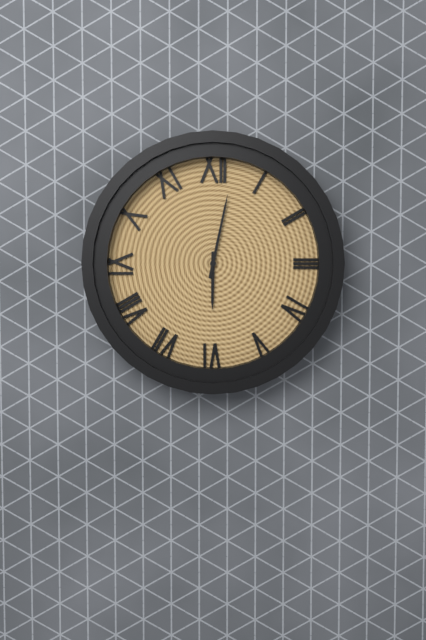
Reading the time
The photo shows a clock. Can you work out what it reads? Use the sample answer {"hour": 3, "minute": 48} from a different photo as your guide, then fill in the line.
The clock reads {"hour": 6, "minute": 2}
